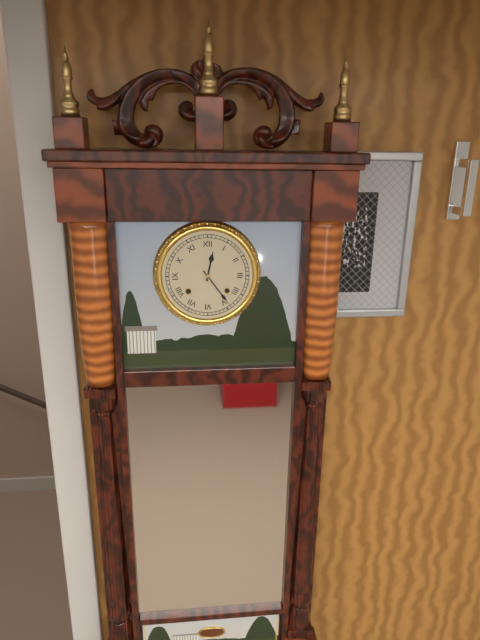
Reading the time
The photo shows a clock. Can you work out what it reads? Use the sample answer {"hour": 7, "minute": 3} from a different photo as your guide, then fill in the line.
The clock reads {"hour": 12, "minute": 24}
